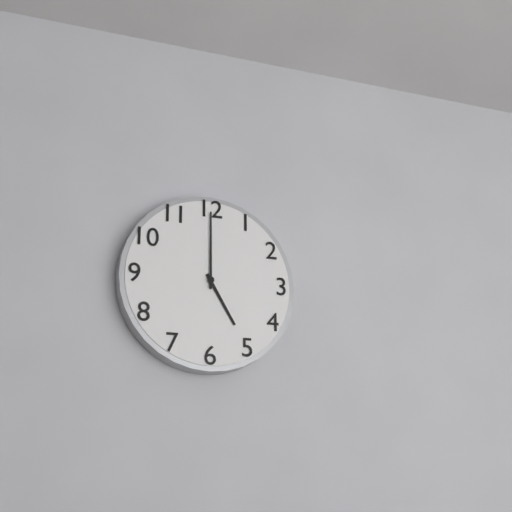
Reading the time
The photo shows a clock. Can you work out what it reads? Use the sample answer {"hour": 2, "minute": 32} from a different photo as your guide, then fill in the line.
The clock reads {"hour": 5, "minute": 0}
